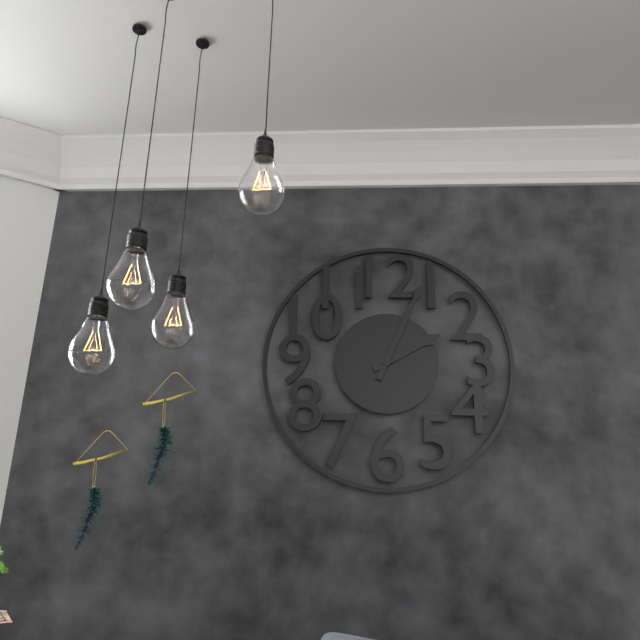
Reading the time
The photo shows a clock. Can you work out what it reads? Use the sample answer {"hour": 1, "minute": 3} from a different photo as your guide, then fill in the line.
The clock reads {"hour": 2, "minute": 4}
